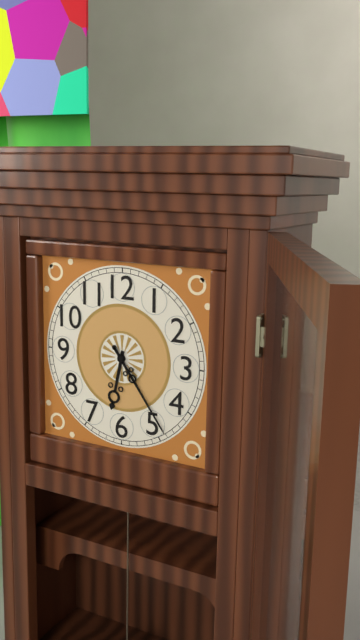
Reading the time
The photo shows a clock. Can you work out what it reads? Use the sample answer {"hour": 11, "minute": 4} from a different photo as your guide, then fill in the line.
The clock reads {"hour": 6, "minute": 24}
